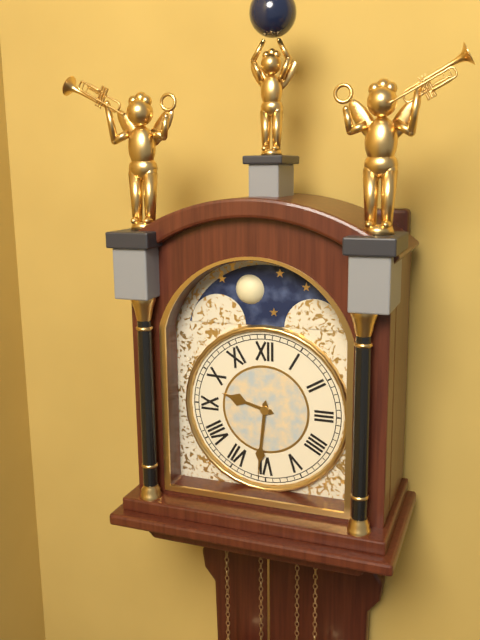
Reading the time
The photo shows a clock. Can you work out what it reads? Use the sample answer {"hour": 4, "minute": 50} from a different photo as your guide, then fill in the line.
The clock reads {"hour": 9, "minute": 31}
